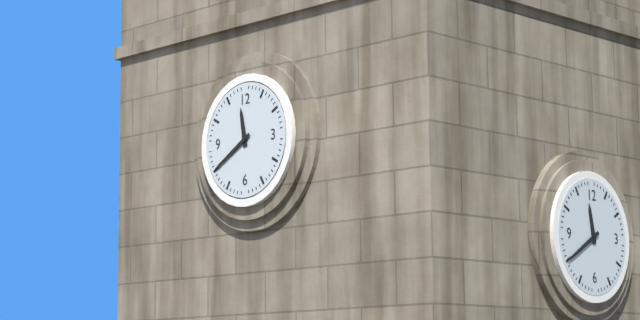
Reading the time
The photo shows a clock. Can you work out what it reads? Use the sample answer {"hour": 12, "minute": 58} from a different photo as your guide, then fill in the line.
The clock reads {"hour": 11, "minute": 40}
